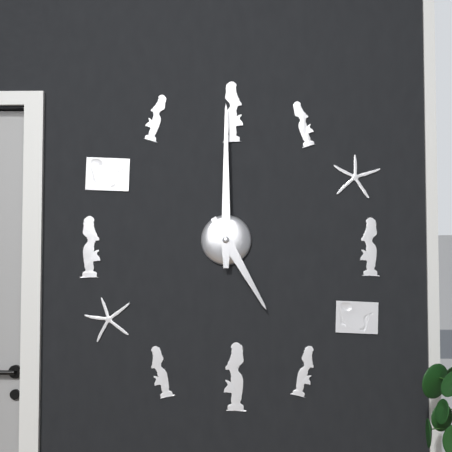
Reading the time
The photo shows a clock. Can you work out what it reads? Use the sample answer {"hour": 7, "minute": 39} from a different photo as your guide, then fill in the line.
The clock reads {"hour": 5, "minute": 0}
